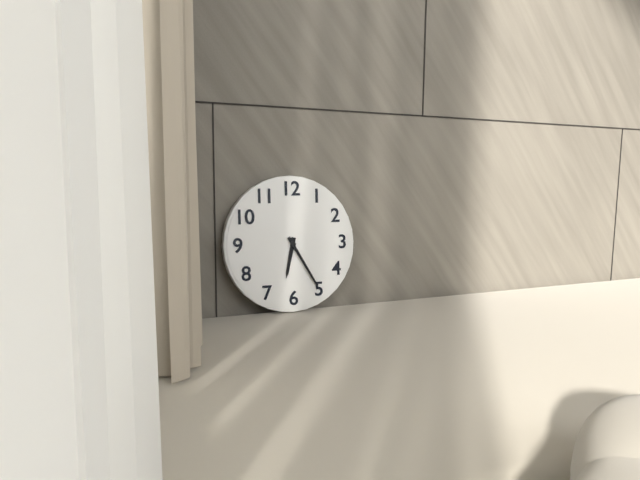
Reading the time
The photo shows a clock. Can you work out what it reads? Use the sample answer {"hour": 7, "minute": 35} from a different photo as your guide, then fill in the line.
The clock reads {"hour": 6, "minute": 25}
